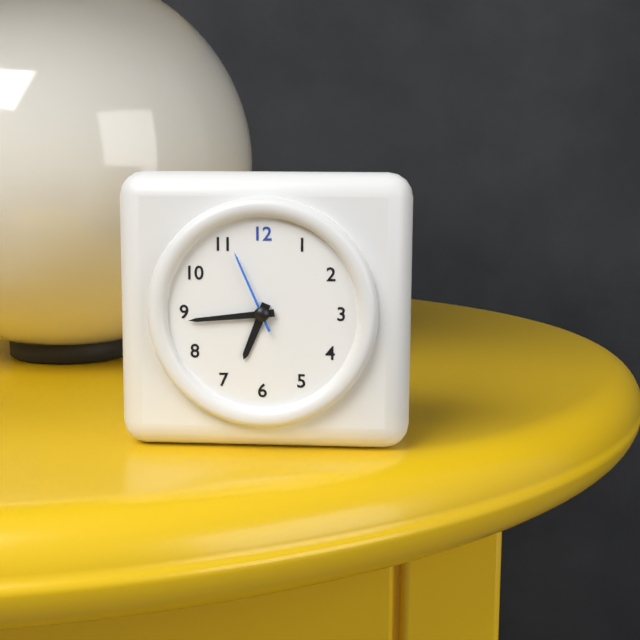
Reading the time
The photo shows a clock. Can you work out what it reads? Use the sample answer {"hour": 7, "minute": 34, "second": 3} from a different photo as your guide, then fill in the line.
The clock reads {"hour": 6, "minute": 44, "second": 56}
